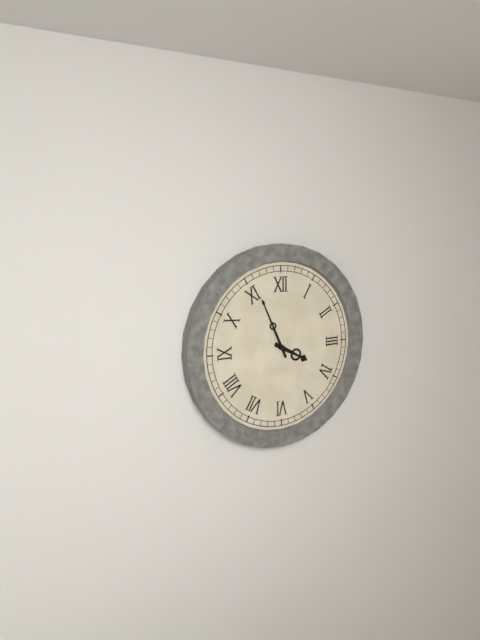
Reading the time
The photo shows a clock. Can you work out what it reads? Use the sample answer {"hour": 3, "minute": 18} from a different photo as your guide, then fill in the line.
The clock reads {"hour": 3, "minute": 56}
